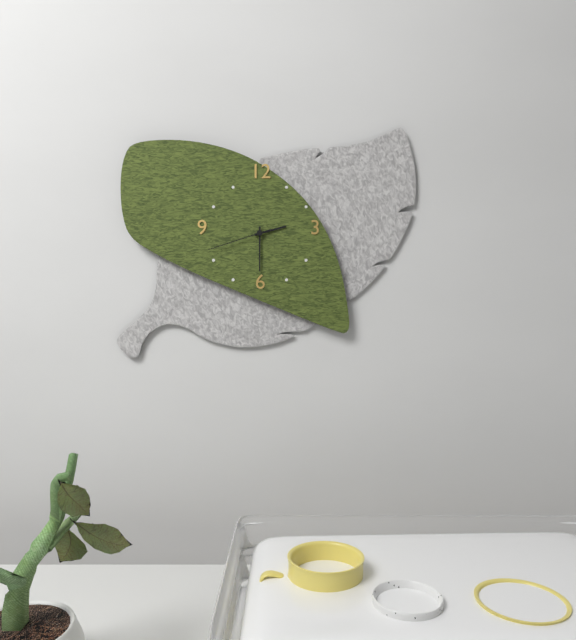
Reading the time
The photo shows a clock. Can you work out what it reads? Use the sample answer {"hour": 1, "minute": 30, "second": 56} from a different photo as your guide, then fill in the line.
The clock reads {"hour": 2, "minute": 30, "second": 42}
